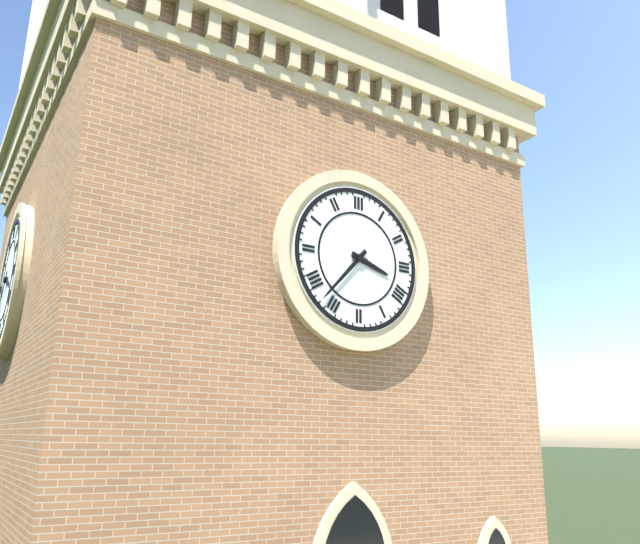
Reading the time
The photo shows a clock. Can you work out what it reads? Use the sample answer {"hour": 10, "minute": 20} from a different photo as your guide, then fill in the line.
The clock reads {"hour": 3, "minute": 37}
